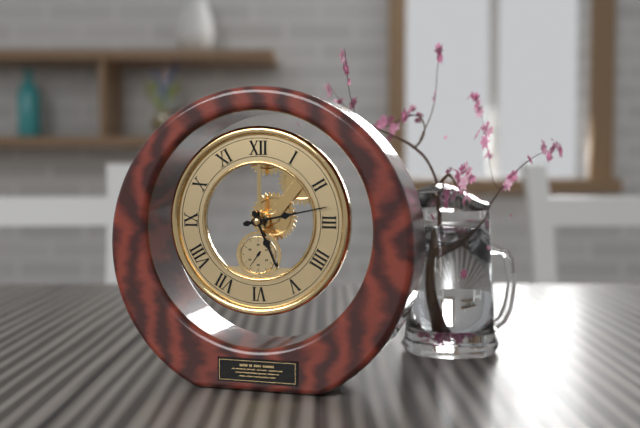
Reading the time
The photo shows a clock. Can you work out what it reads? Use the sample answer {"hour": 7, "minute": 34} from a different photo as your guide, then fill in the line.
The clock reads {"hour": 5, "minute": 13}
